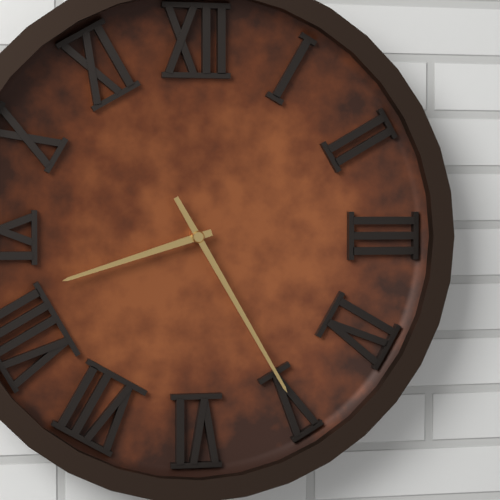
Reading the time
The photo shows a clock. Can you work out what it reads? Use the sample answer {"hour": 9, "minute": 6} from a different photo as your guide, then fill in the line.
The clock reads {"hour": 8, "minute": 25}
